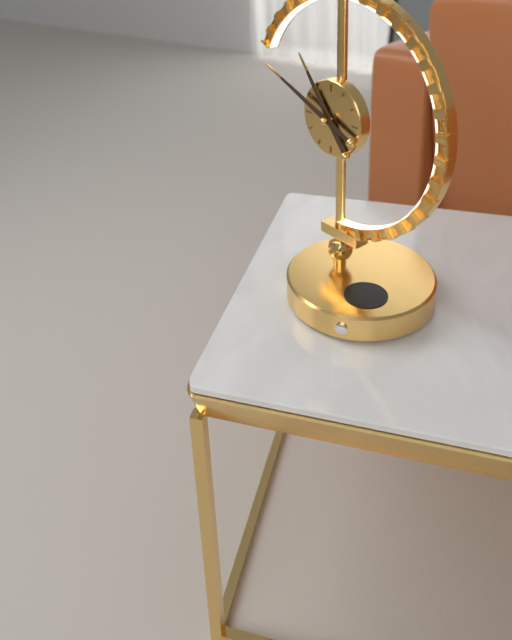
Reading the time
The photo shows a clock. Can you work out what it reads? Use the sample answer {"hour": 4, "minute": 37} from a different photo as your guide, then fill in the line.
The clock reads {"hour": 10, "minute": 49}
